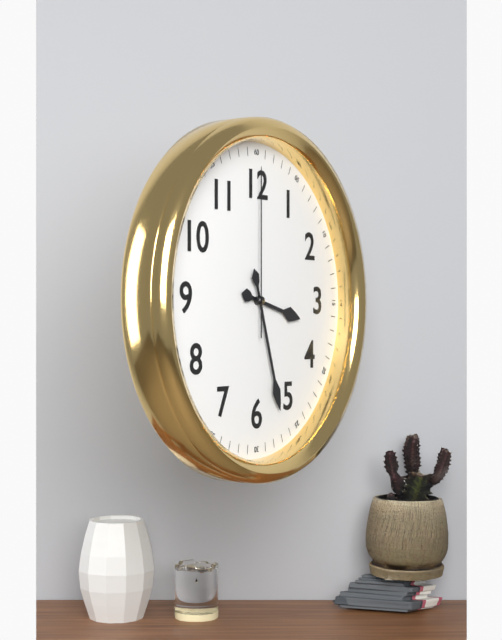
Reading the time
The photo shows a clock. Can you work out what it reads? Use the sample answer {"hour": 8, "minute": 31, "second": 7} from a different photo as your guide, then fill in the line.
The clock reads {"hour": 3, "minute": 27, "second": 0}
